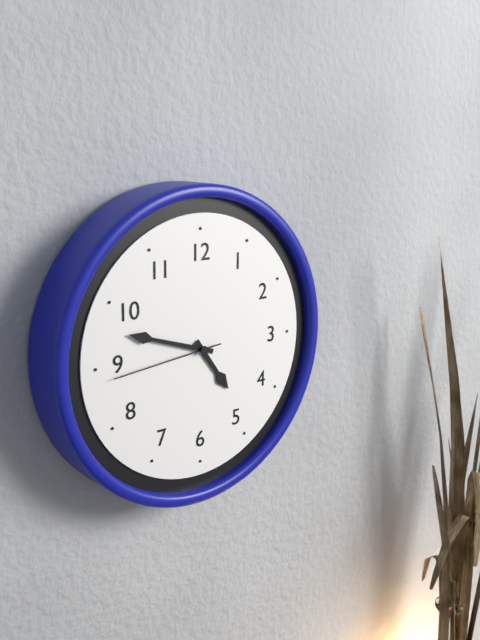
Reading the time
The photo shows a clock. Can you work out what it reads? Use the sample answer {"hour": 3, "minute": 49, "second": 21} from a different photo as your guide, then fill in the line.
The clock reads {"hour": 4, "minute": 48, "second": 44}
